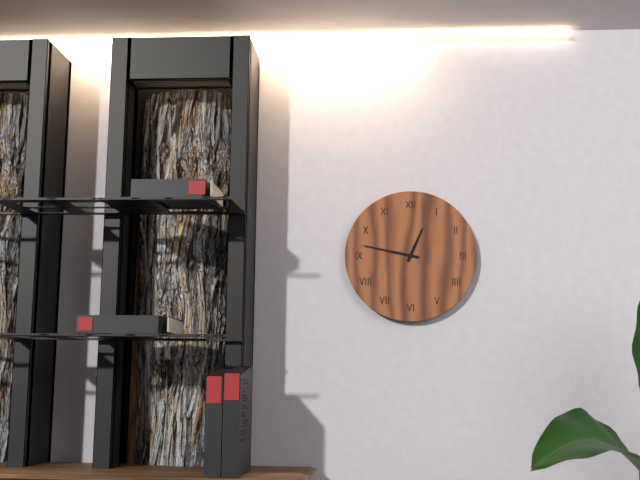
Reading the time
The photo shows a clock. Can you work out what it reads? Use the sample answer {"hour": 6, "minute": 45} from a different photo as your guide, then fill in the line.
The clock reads {"hour": 12, "minute": 47}
